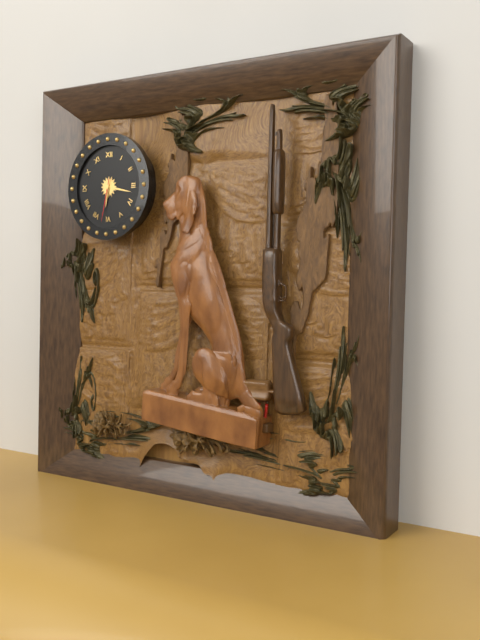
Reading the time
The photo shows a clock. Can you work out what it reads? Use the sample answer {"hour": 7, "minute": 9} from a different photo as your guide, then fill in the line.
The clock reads {"hour": 6, "minute": 17}
